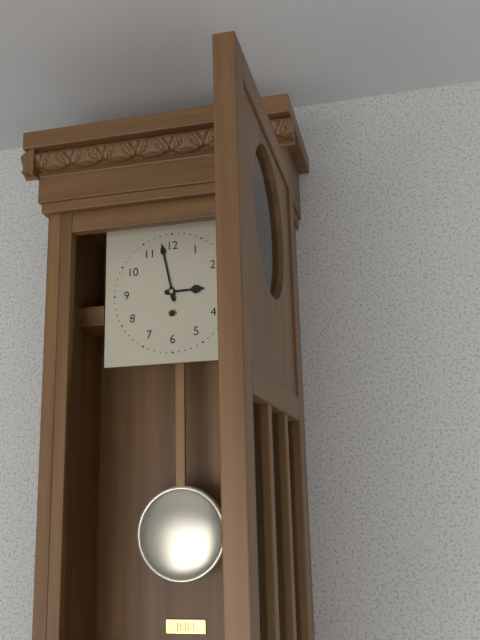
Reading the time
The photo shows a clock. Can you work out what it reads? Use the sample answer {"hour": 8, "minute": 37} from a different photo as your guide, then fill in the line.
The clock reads {"hour": 2, "minute": 58}
